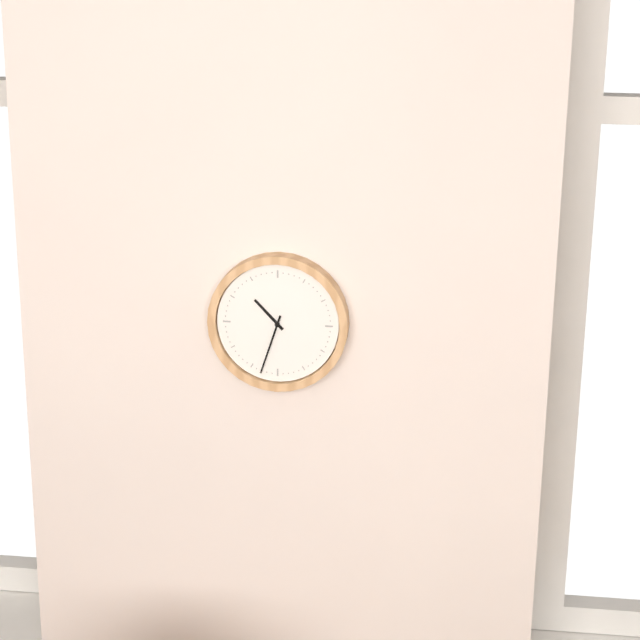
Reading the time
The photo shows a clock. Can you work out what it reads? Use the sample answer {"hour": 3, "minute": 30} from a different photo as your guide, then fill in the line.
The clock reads {"hour": 10, "minute": 33}
